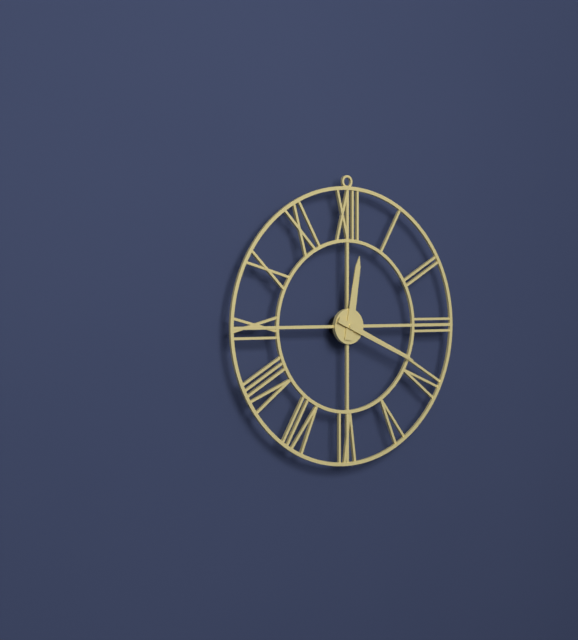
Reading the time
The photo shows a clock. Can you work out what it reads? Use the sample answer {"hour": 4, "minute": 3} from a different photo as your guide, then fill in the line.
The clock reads {"hour": 12, "minute": 19}
